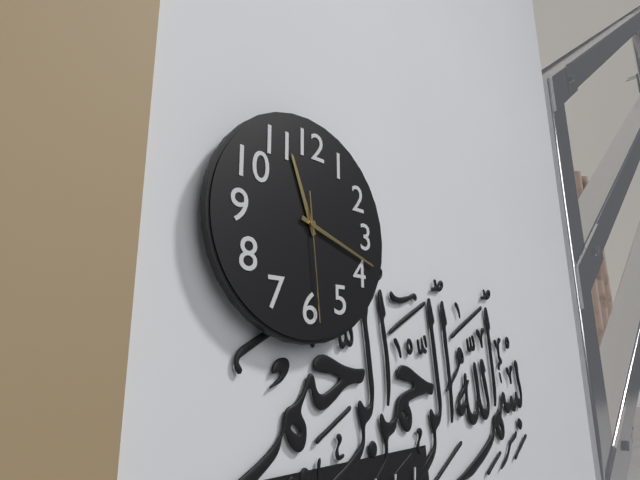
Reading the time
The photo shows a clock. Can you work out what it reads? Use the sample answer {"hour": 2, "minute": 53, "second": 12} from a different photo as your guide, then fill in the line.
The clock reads {"hour": 11, "minute": 18, "second": 29}
